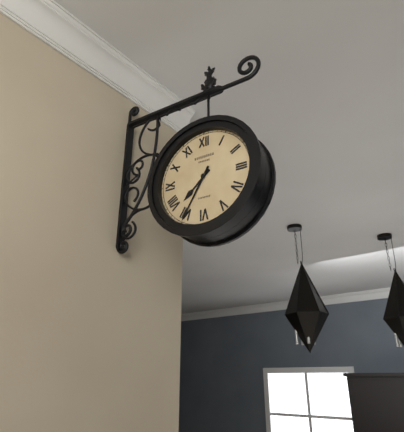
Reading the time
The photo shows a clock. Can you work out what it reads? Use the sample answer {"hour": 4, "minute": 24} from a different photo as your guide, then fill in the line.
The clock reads {"hour": 7, "minute": 35}
